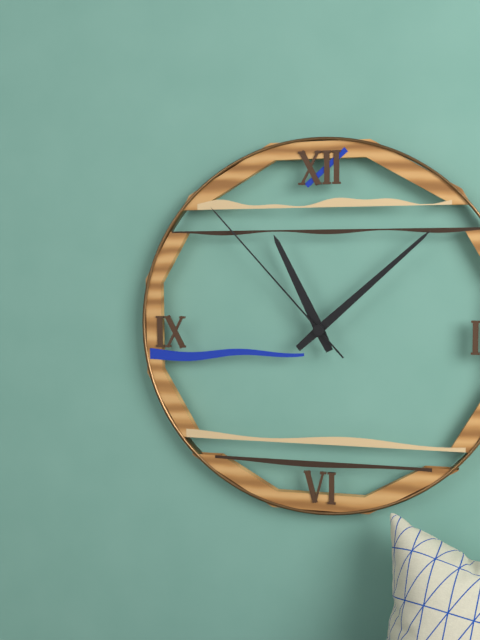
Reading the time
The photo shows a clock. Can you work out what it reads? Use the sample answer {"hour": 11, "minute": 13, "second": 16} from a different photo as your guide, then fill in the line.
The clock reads {"hour": 11, "minute": 8, "second": 53}
